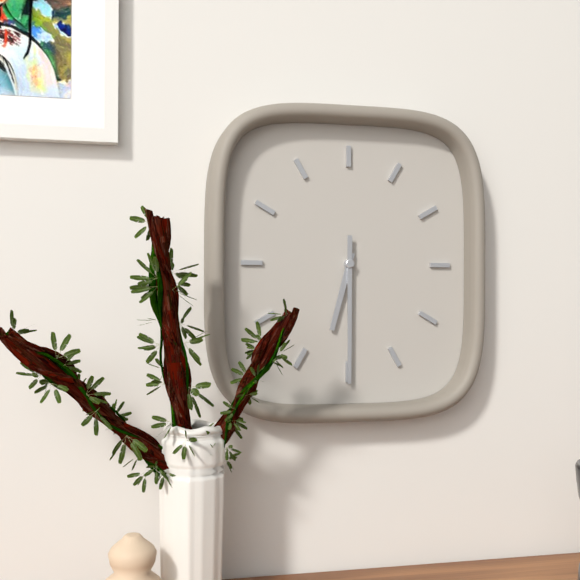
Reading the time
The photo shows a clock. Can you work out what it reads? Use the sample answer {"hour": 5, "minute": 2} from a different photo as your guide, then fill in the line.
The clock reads {"hour": 6, "minute": 30}
